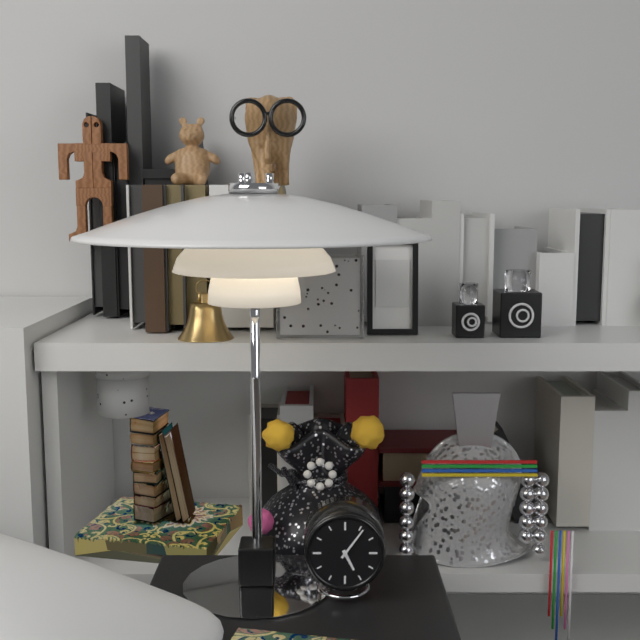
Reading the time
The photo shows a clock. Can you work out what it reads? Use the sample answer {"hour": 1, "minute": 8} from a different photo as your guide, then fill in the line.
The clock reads {"hour": 5, "minute": 6}
